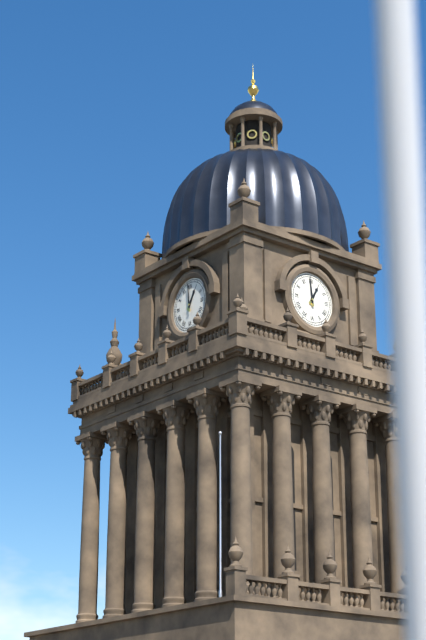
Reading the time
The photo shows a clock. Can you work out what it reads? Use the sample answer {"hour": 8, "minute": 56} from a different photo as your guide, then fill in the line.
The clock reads {"hour": 12, "minute": 59}
